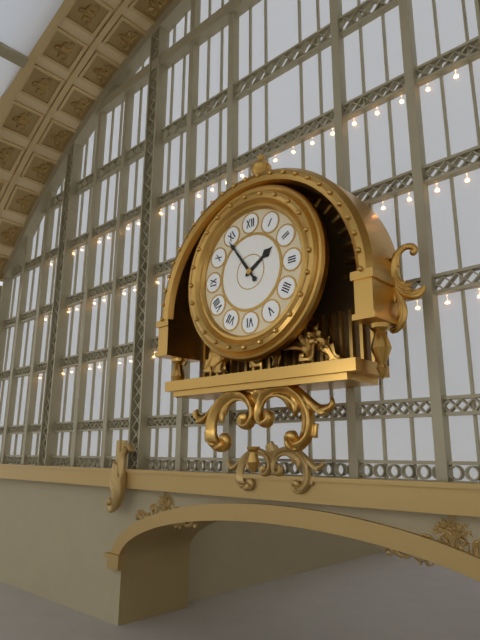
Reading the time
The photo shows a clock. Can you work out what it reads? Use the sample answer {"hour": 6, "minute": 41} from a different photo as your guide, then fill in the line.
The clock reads {"hour": 1, "minute": 54}
